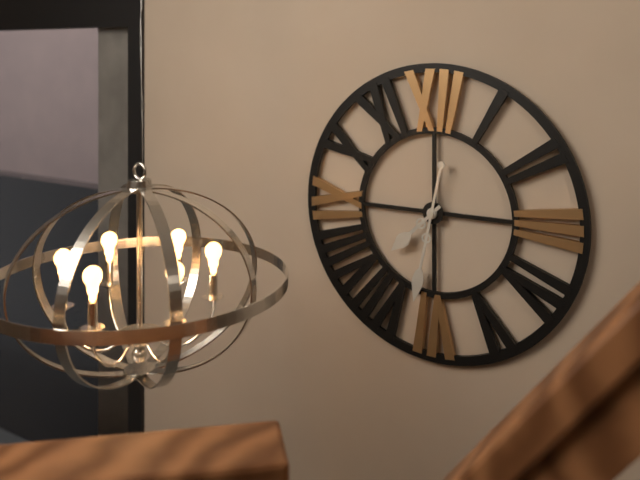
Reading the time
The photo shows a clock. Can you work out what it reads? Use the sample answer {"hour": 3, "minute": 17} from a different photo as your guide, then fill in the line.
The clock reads {"hour": 7, "minute": 32}
